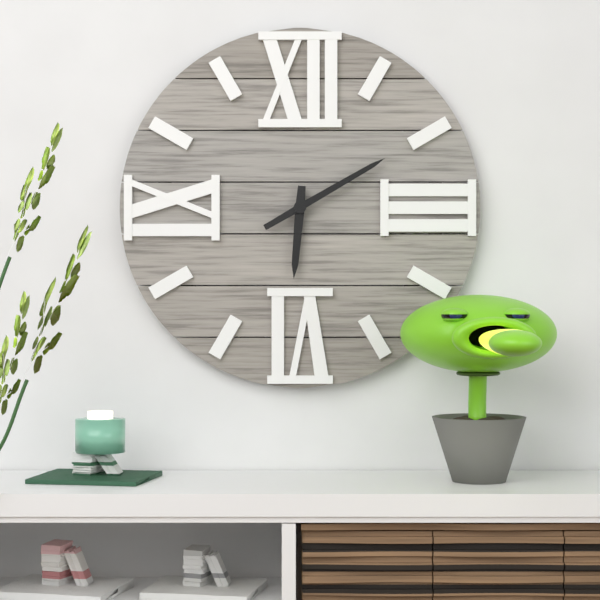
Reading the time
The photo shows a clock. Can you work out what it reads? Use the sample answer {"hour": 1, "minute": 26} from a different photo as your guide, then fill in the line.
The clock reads {"hour": 6, "minute": 10}
